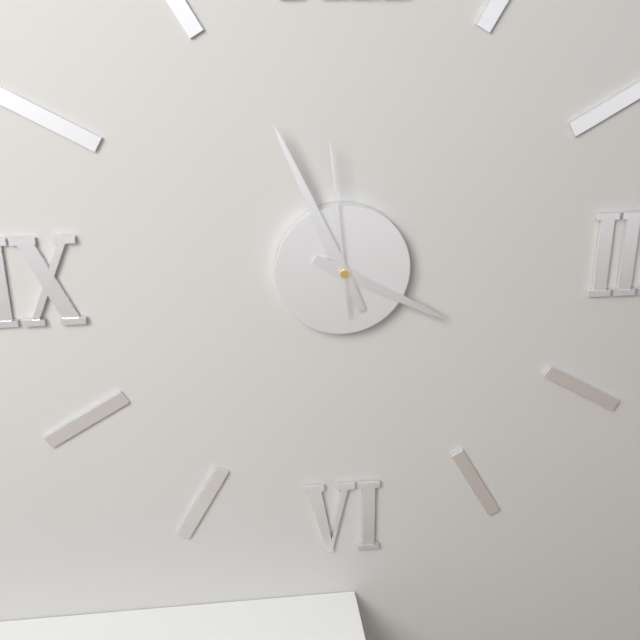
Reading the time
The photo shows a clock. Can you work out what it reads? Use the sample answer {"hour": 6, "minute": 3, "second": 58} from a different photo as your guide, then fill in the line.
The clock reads {"hour": 3, "minute": 56, "second": 59}
